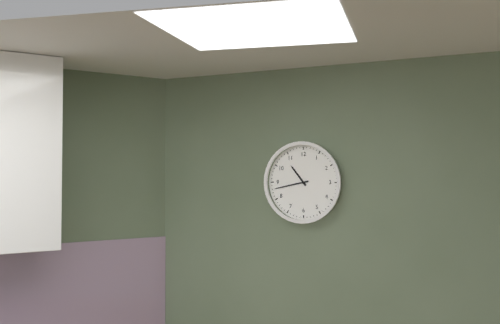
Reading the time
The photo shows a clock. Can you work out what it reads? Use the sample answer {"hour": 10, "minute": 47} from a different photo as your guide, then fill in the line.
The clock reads {"hour": 10, "minute": 43}
